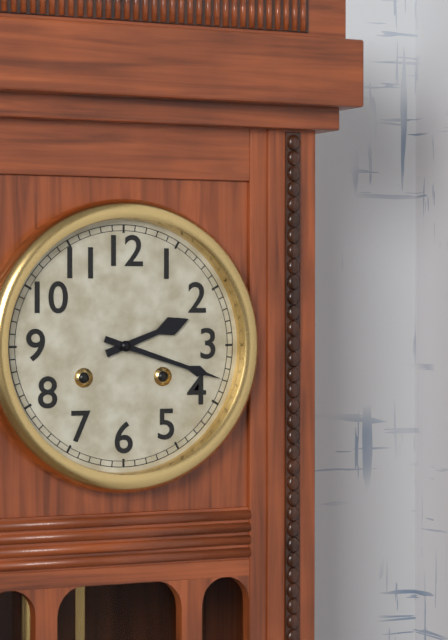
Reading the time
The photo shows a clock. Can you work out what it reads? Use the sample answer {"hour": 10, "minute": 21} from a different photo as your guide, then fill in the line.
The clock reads {"hour": 2, "minute": 18}
